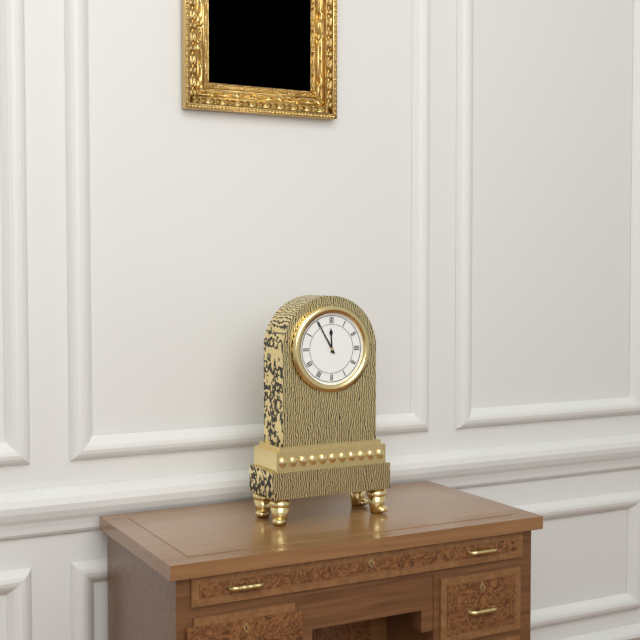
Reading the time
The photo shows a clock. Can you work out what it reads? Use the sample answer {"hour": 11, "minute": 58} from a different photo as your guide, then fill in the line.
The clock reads {"hour": 11, "minute": 55}
